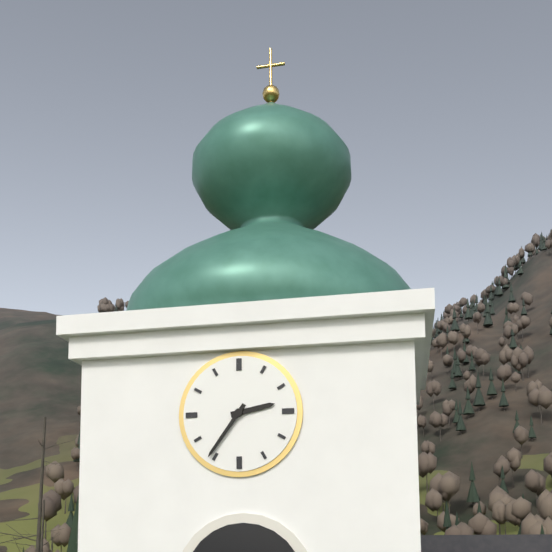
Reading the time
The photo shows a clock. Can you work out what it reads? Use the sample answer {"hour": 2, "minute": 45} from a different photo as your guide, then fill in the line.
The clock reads {"hour": 2, "minute": 36}
